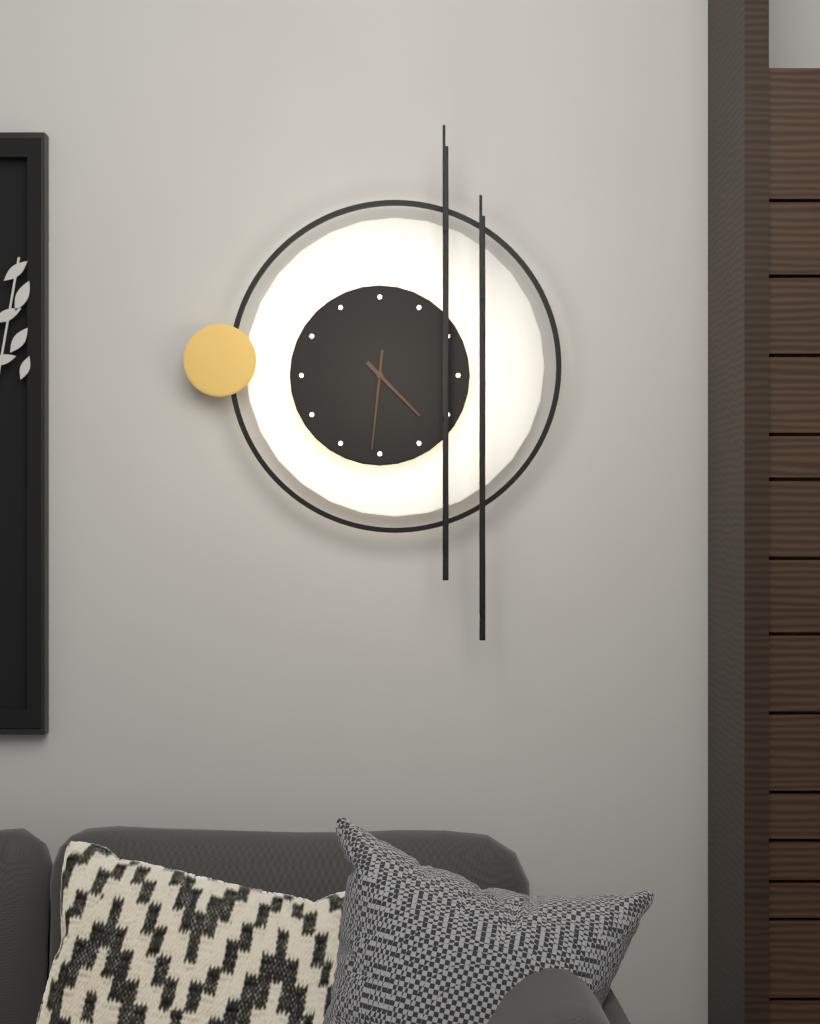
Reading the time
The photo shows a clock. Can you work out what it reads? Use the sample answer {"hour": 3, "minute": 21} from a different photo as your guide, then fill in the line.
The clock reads {"hour": 4, "minute": 31}
